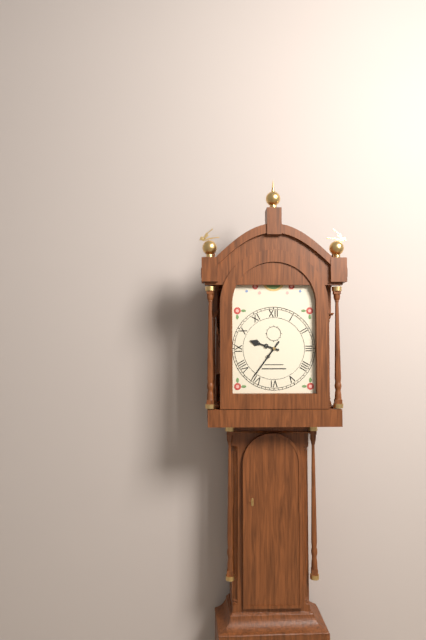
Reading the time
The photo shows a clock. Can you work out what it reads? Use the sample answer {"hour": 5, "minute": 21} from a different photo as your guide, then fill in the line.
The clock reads {"hour": 9, "minute": 36}
